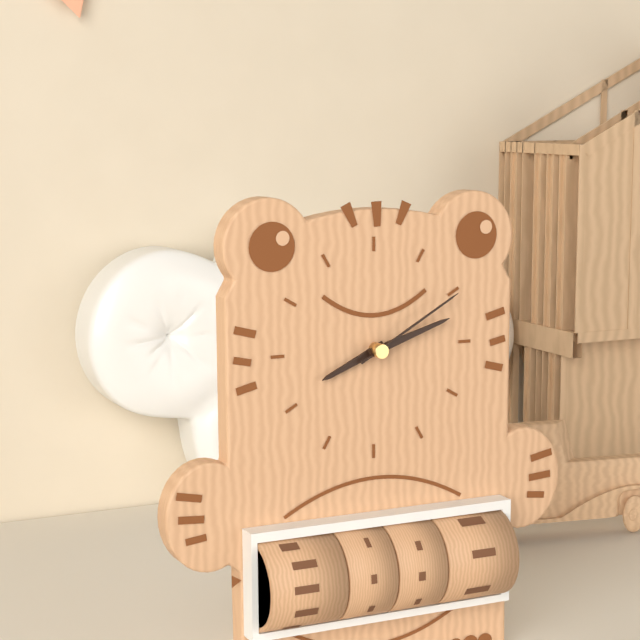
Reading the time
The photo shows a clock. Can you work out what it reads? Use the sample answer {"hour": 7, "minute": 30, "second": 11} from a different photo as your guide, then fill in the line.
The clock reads {"hour": 8, "minute": 12, "second": 10}
